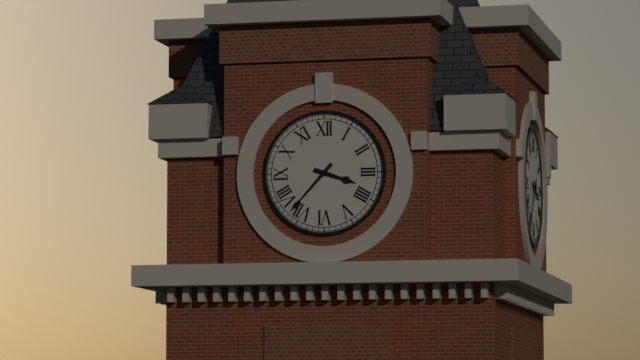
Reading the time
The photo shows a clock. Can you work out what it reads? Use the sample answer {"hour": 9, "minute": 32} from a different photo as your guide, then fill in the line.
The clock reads {"hour": 3, "minute": 37}
